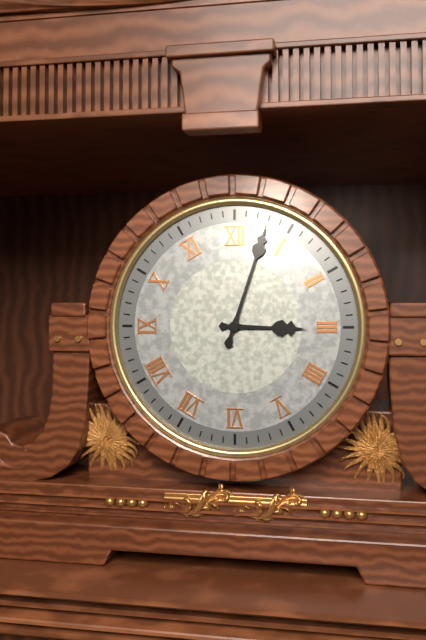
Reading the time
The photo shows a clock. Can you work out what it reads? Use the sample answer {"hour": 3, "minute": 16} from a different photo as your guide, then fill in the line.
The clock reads {"hour": 3, "minute": 3}
